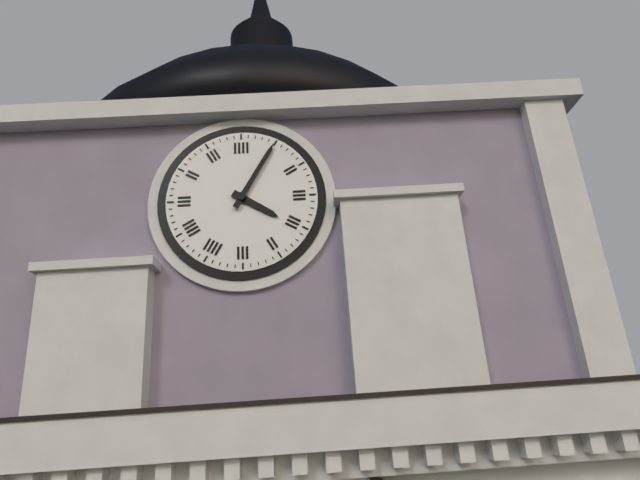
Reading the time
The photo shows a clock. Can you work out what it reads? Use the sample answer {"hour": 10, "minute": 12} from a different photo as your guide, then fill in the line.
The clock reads {"hour": 4, "minute": 5}
